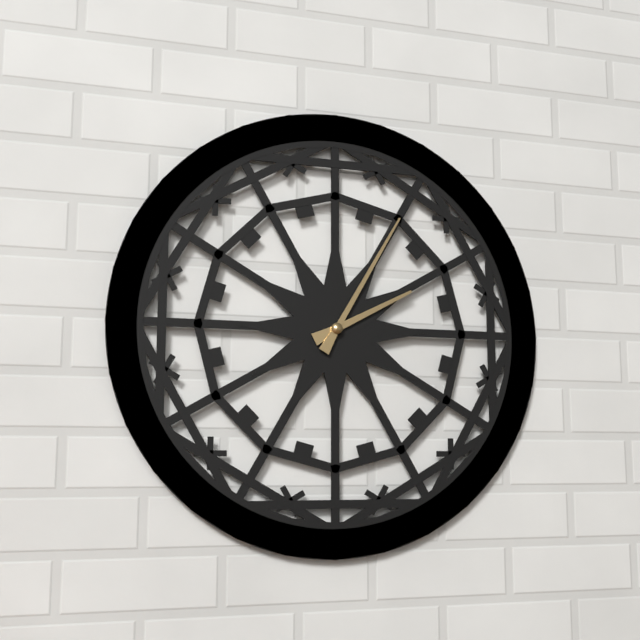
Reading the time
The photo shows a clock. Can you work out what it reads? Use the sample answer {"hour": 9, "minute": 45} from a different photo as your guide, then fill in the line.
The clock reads {"hour": 2, "minute": 5}
